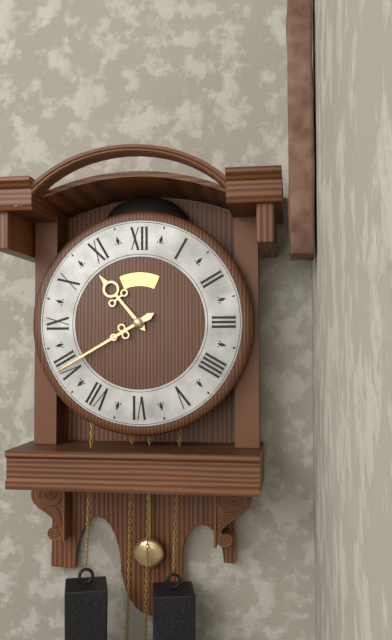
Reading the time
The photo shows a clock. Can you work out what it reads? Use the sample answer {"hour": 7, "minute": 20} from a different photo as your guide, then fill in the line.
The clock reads {"hour": 10, "minute": 40}
